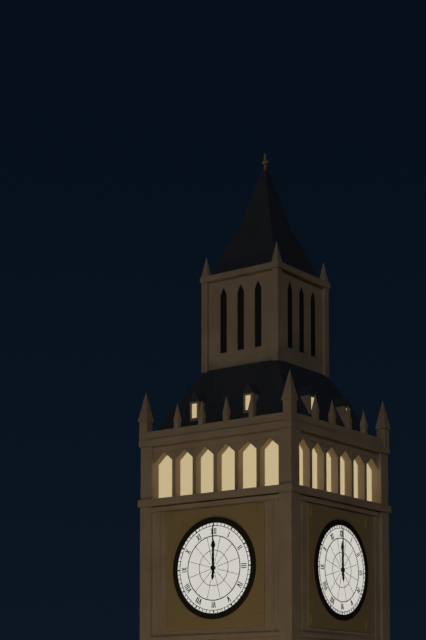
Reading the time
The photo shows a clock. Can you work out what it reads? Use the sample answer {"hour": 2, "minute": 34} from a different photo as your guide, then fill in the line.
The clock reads {"hour": 12, "minute": 0}
